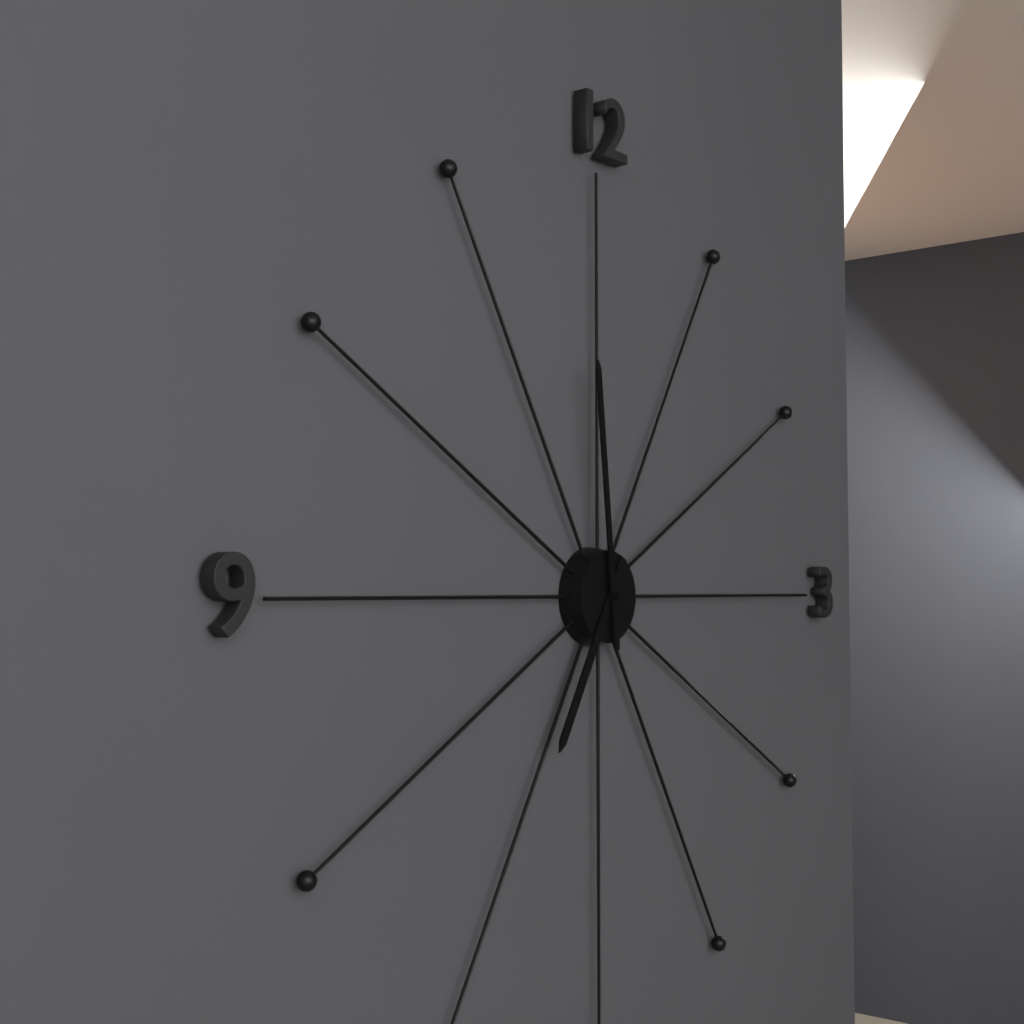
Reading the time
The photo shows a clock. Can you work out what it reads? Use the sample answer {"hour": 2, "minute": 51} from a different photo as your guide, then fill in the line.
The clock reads {"hour": 6, "minute": 59}
